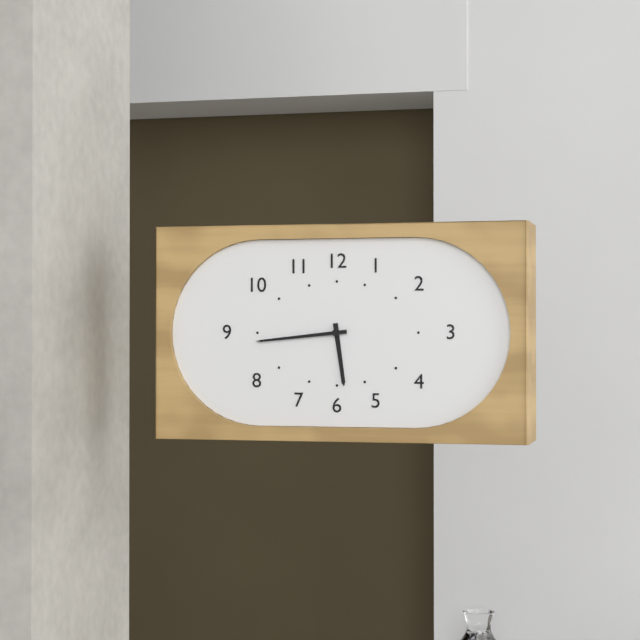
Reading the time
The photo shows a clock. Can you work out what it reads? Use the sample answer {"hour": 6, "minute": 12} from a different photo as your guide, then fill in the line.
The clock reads {"hour": 5, "minute": 44}
